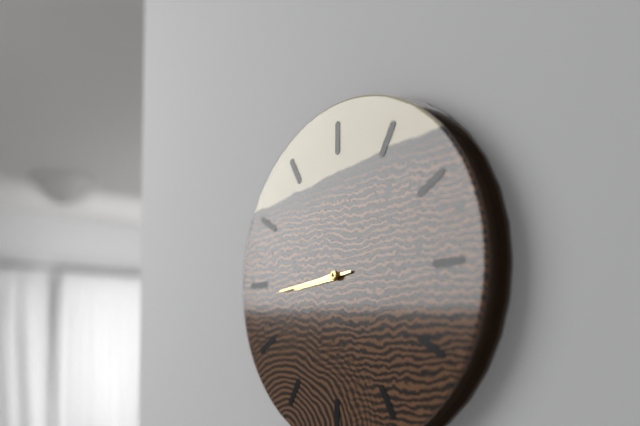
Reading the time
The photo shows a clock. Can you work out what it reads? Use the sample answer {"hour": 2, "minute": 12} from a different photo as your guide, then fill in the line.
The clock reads {"hour": 8, "minute": 44}
